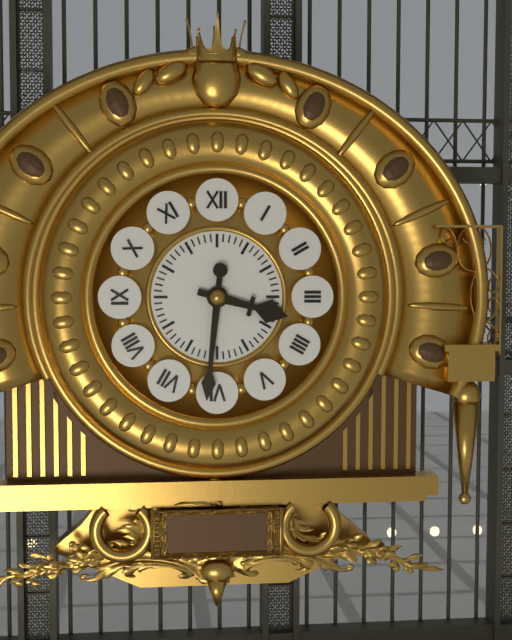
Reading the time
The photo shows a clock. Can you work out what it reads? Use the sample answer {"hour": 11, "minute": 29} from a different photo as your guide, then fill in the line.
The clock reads {"hour": 3, "minute": 31}
